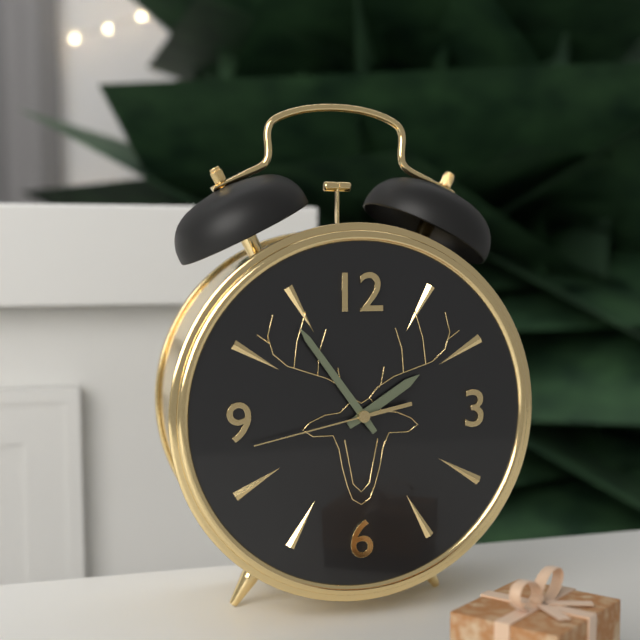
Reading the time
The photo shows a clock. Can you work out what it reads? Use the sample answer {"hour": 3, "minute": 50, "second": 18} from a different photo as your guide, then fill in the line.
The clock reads {"hour": 1, "minute": 54, "second": 43}
